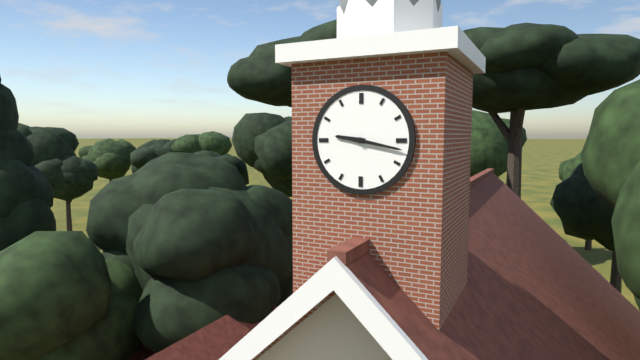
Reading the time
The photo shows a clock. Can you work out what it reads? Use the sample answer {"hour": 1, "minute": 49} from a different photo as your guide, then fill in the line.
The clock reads {"hour": 9, "minute": 17}
